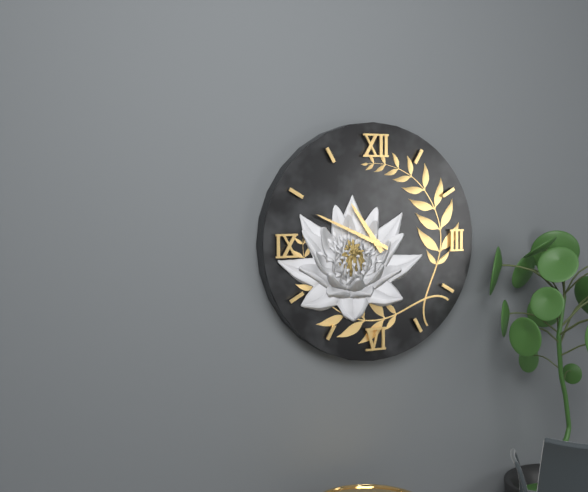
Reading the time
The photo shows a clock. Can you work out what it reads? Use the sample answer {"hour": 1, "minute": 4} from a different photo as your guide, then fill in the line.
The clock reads {"hour": 10, "minute": 49}
